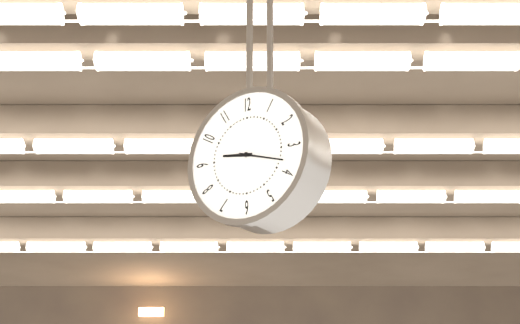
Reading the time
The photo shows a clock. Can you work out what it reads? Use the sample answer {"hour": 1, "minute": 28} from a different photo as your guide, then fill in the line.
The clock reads {"hour": 9, "minute": 18}
